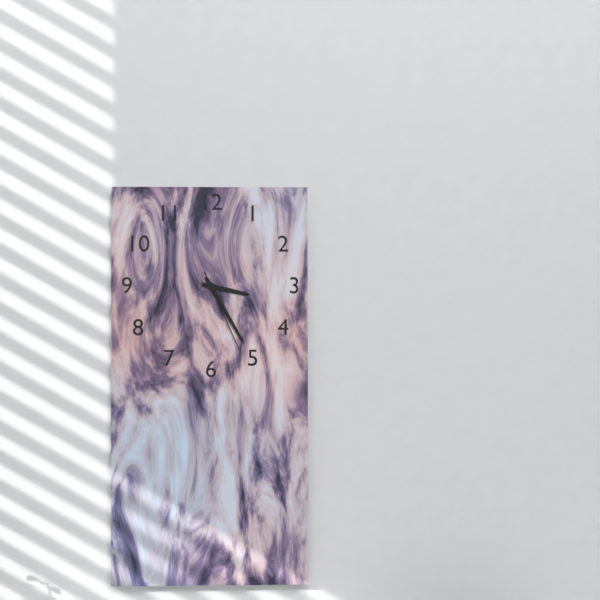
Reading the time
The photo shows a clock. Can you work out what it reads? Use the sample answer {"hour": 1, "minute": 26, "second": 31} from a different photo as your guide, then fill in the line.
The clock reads {"hour": 3, "minute": 25, "second": 26}
